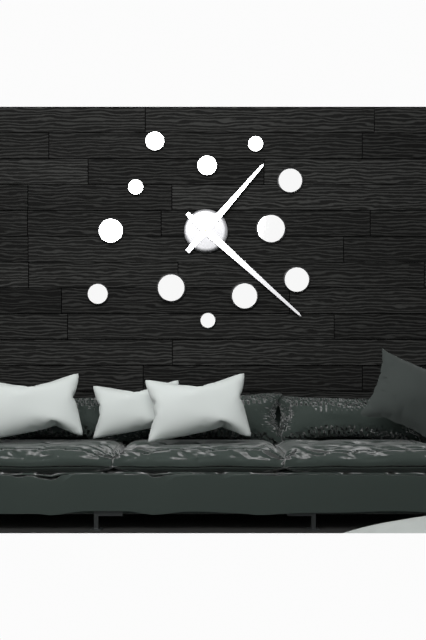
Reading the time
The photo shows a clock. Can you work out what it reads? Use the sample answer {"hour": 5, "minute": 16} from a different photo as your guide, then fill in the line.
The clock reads {"hour": 1, "minute": 22}
